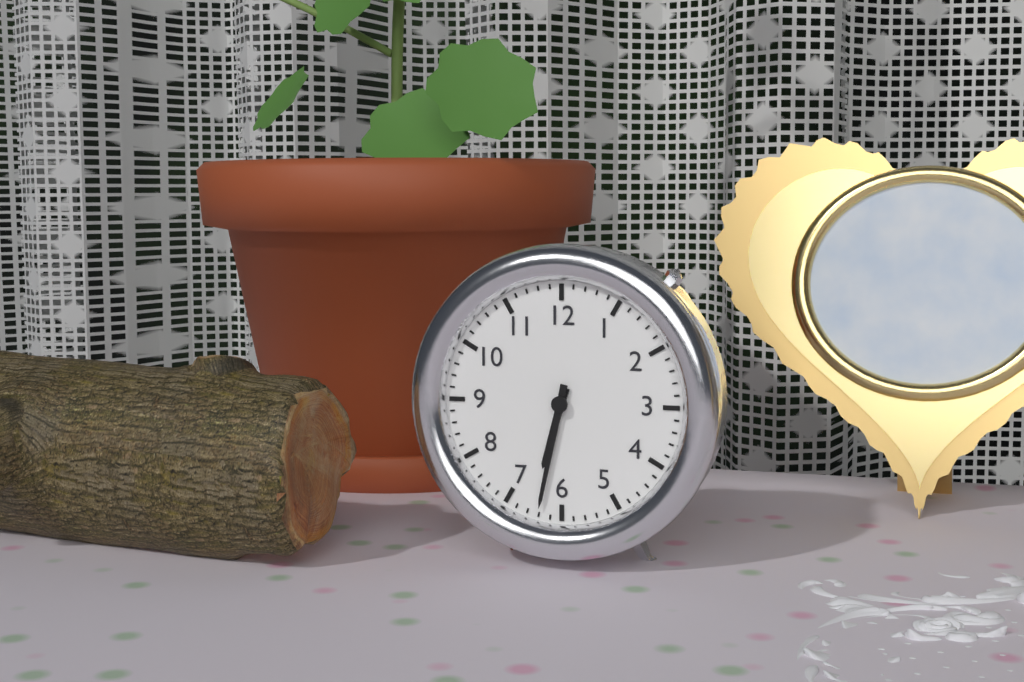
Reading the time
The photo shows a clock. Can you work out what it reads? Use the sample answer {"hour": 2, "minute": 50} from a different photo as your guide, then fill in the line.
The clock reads {"hour": 6, "minute": 32}
